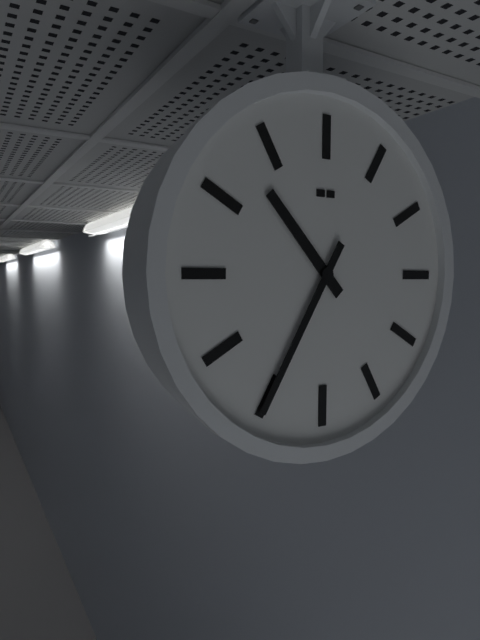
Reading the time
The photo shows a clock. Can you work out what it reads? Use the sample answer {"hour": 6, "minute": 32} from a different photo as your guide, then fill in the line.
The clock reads {"hour": 10, "minute": 35}
